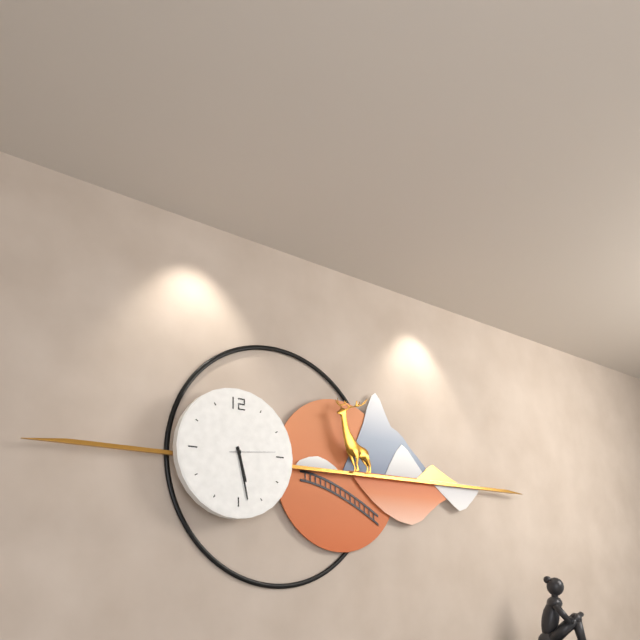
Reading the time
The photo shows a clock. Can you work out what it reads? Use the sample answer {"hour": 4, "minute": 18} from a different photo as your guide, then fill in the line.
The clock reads {"hour": 5, "minute": 28}
